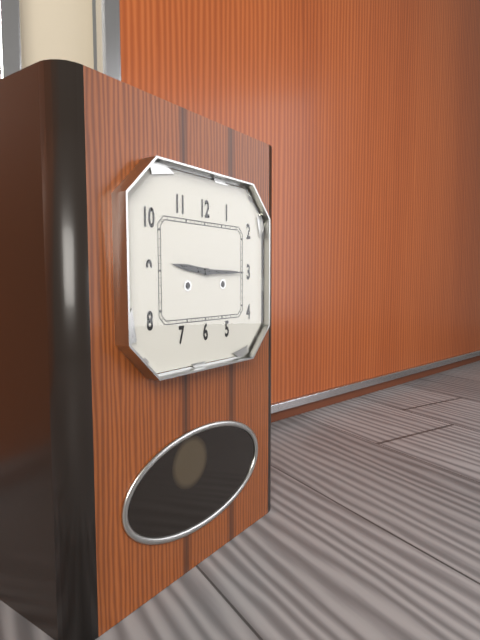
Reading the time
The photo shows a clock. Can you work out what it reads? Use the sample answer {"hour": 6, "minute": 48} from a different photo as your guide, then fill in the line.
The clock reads {"hour": 9, "minute": 15}
